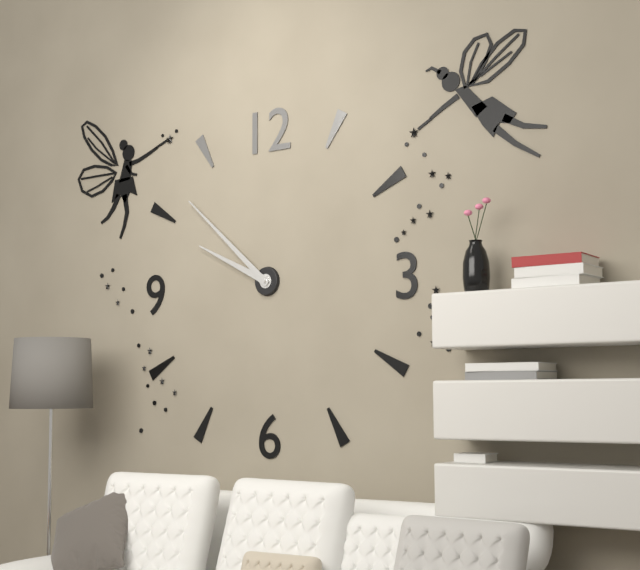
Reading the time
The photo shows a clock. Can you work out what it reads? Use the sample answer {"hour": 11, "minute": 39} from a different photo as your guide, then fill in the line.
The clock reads {"hour": 9, "minute": 52}
